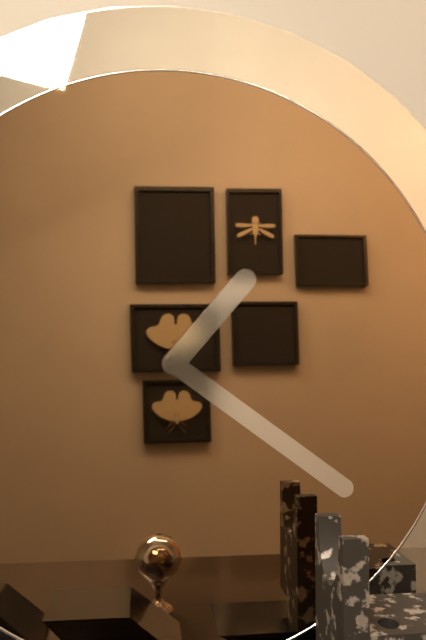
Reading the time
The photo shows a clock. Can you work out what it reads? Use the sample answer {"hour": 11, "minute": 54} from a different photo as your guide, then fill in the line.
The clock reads {"hour": 1, "minute": 21}
